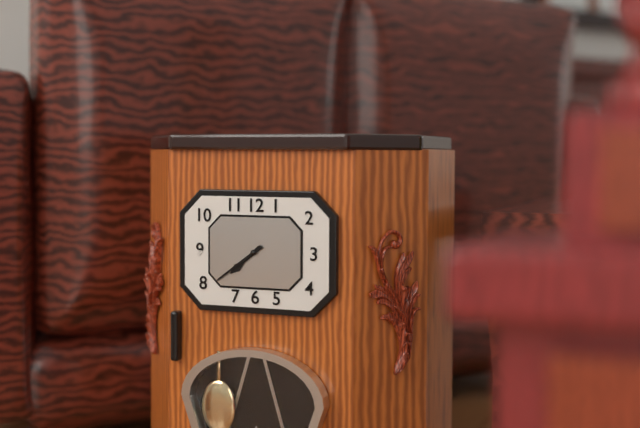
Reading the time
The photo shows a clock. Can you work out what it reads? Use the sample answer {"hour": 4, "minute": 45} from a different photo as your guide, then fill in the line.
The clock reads {"hour": 7, "minute": 39}
